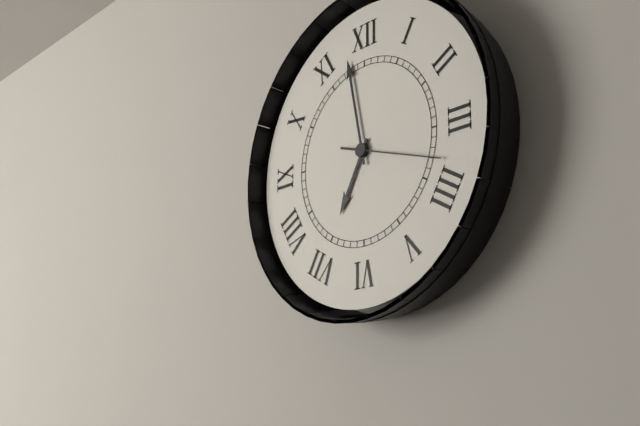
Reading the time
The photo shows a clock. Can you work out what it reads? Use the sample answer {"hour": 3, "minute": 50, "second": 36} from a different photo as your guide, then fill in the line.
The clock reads {"hour": 6, "minute": 58, "second": 18}
